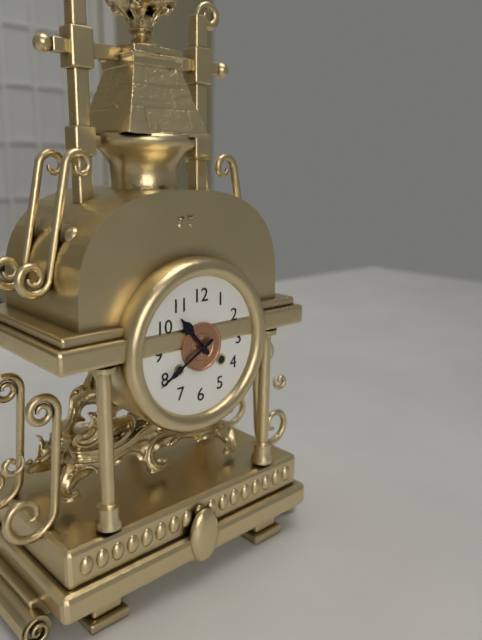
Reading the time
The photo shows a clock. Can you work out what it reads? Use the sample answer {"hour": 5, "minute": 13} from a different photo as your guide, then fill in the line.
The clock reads {"hour": 10, "minute": 40}
